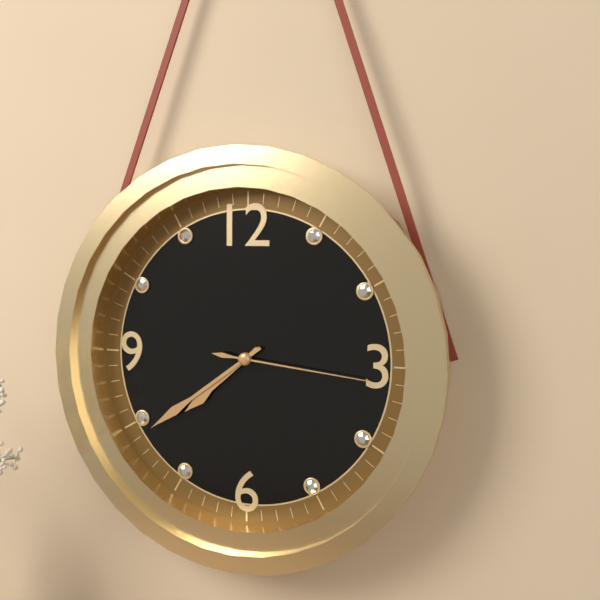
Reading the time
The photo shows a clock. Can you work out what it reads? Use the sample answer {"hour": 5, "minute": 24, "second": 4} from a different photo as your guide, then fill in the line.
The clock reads {"hour": 7, "minute": 39, "second": 16}
